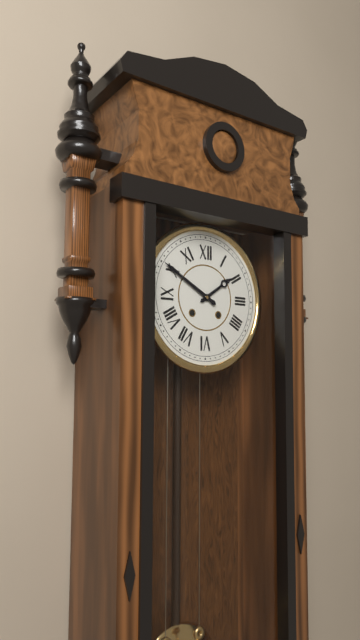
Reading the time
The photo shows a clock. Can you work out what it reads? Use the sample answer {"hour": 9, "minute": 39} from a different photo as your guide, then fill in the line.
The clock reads {"hour": 1, "minute": 50}
